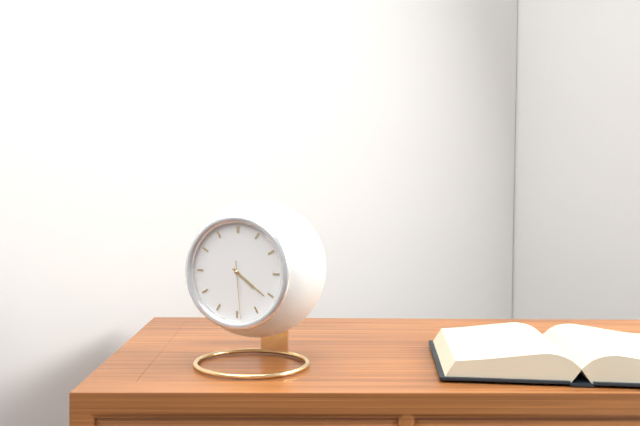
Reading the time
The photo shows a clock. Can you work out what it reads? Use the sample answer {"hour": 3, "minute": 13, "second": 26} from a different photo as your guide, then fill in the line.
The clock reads {"hour": 4, "minute": 21, "second": 29}
